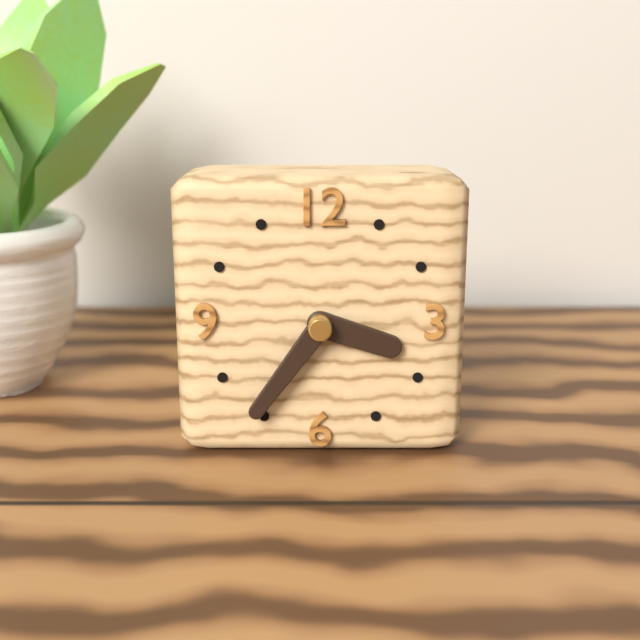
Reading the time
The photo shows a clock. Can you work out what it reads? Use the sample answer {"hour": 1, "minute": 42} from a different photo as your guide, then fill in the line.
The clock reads {"hour": 3, "minute": 36}
